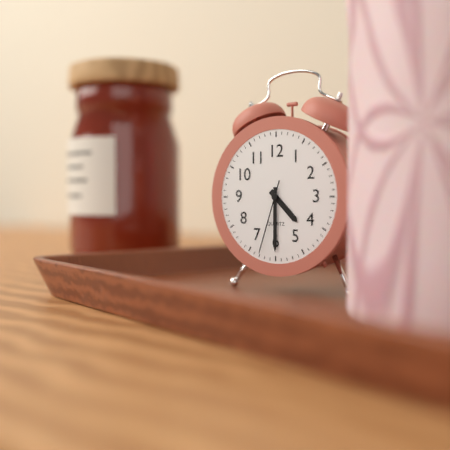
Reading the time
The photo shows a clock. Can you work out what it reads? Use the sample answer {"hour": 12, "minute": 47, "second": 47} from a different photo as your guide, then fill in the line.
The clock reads {"hour": 4, "minute": 30, "second": 33}
